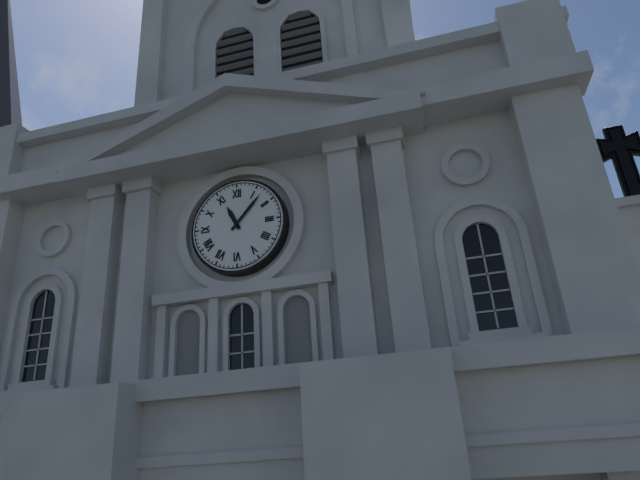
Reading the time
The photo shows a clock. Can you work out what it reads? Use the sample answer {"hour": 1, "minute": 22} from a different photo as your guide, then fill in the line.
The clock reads {"hour": 11, "minute": 7}
